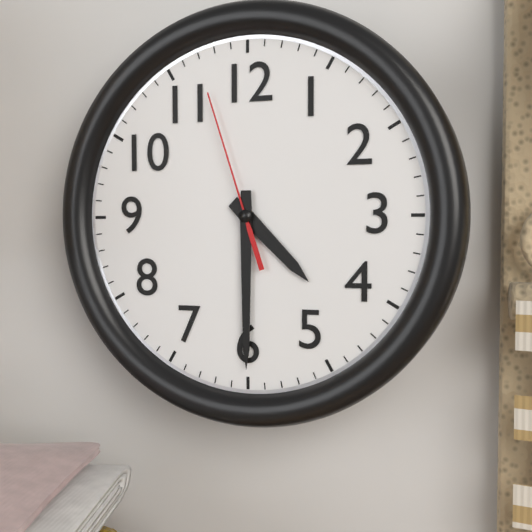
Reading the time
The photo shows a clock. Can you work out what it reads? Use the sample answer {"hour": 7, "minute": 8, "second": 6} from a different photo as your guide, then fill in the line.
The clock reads {"hour": 4, "minute": 30, "second": 57}
